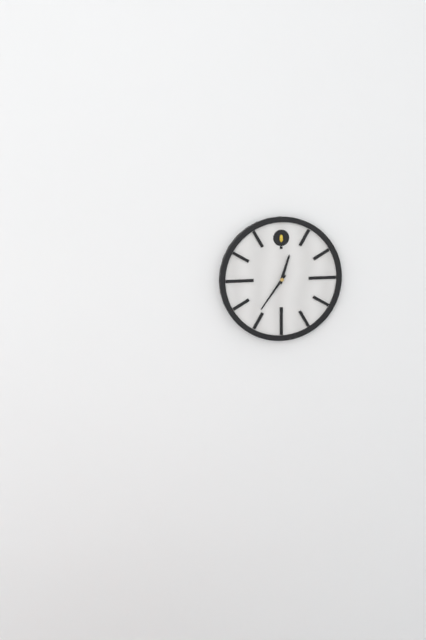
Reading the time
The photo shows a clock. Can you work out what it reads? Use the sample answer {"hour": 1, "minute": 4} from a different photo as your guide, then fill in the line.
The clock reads {"hour": 12, "minute": 36}
